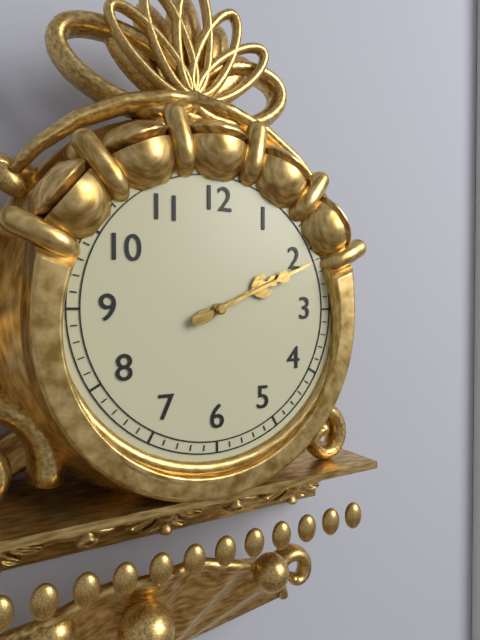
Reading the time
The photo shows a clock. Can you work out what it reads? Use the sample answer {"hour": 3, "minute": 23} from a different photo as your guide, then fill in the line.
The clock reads {"hour": 2, "minute": 11}
